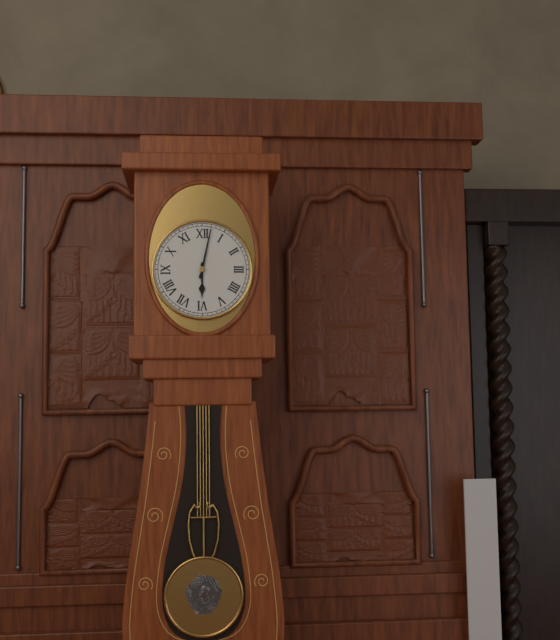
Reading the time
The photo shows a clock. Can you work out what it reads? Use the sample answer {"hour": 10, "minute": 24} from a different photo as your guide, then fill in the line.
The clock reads {"hour": 6, "minute": 2}
